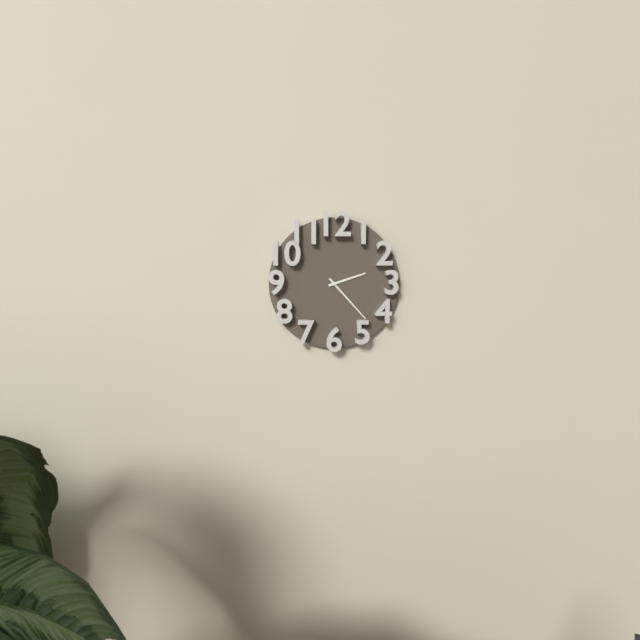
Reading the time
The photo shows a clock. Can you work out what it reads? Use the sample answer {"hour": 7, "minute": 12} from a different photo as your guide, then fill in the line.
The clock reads {"hour": 2, "minute": 23}
